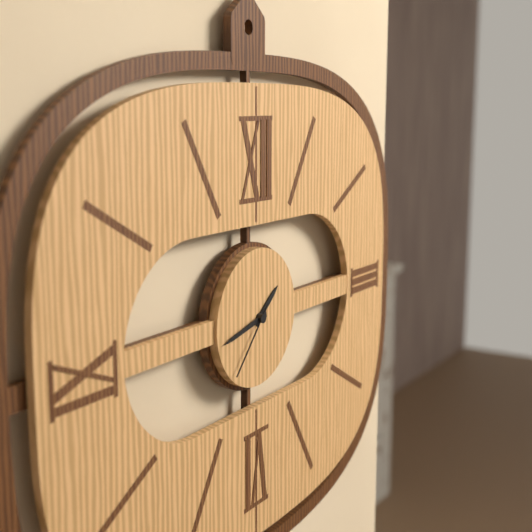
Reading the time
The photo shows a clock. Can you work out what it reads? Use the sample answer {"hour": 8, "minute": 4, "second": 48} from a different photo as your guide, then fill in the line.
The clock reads {"hour": 1, "minute": 43, "second": 37}
